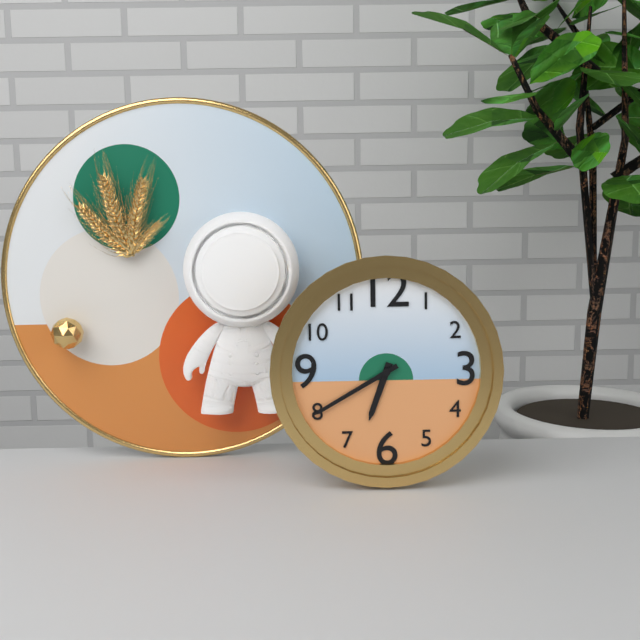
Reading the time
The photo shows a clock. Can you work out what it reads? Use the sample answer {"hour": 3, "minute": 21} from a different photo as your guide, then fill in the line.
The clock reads {"hour": 6, "minute": 40}
